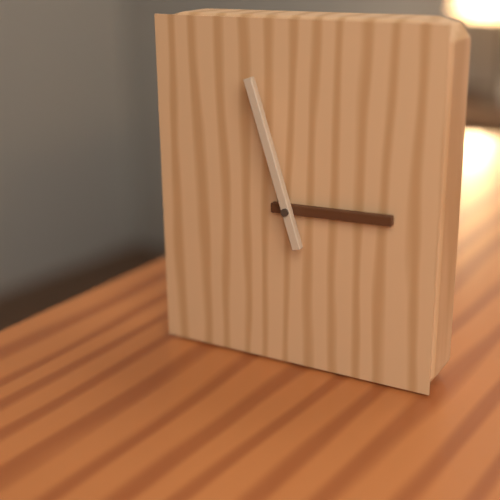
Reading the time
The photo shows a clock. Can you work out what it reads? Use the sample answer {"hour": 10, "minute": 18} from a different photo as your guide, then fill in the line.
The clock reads {"hour": 2, "minute": 57}
